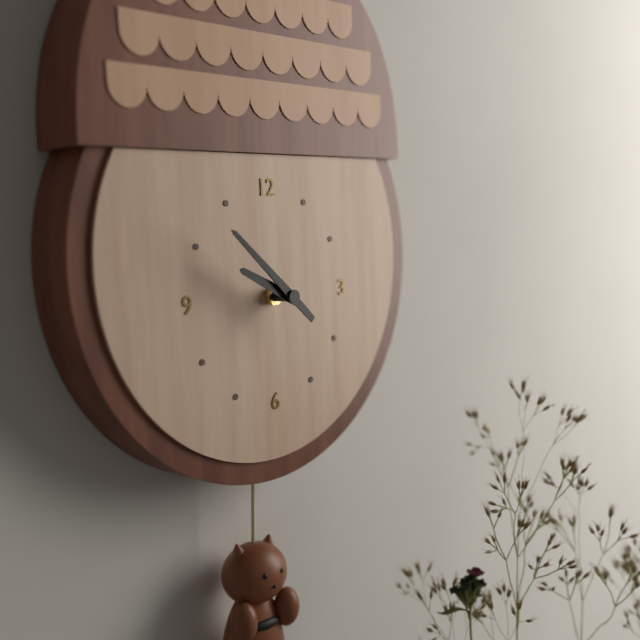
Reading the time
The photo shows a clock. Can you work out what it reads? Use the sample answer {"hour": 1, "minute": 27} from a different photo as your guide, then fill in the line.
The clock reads {"hour": 9, "minute": 52}
